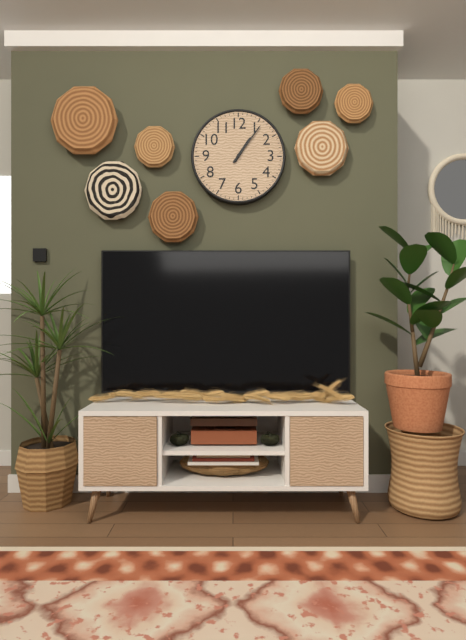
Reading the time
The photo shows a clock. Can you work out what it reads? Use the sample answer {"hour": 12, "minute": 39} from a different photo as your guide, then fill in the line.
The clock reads {"hour": 1, "minute": 6}
